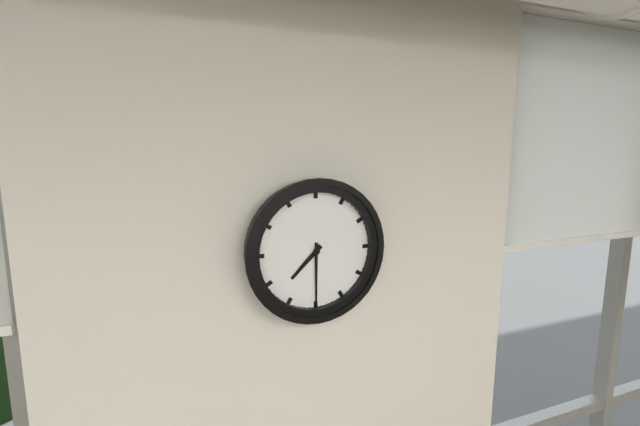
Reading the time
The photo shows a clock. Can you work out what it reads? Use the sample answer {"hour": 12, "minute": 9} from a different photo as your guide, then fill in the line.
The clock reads {"hour": 7, "minute": 30}
